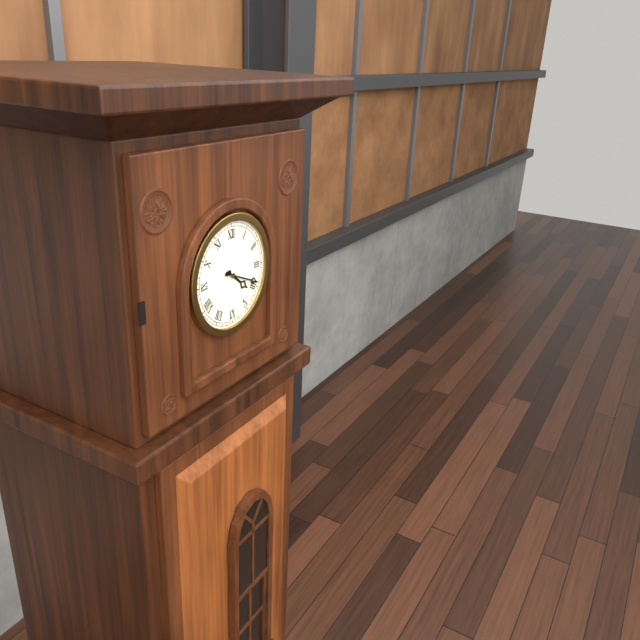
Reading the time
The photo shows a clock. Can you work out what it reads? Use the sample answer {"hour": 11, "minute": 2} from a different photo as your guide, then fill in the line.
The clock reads {"hour": 4, "minute": 19}
